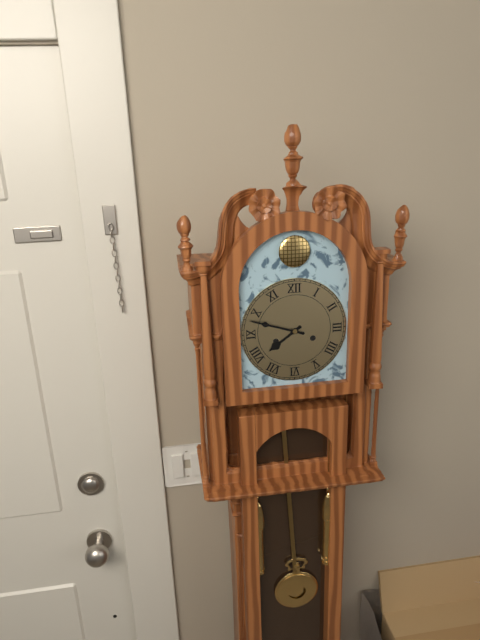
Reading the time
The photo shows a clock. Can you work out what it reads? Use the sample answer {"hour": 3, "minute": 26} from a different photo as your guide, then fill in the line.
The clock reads {"hour": 7, "minute": 48}
